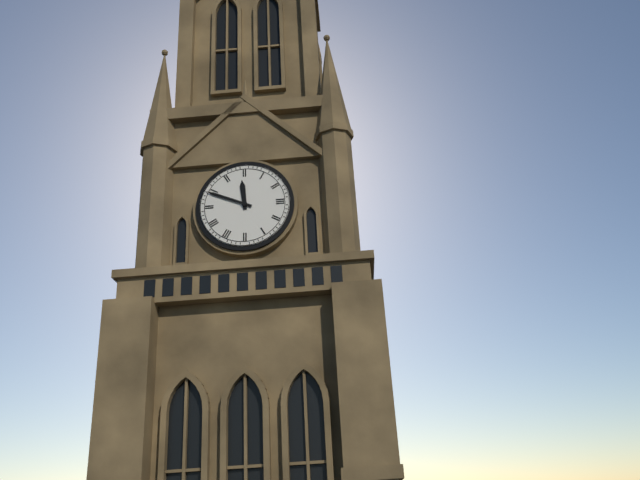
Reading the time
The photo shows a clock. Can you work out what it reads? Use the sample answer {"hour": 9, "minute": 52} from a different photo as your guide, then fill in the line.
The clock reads {"hour": 11, "minute": 49}
